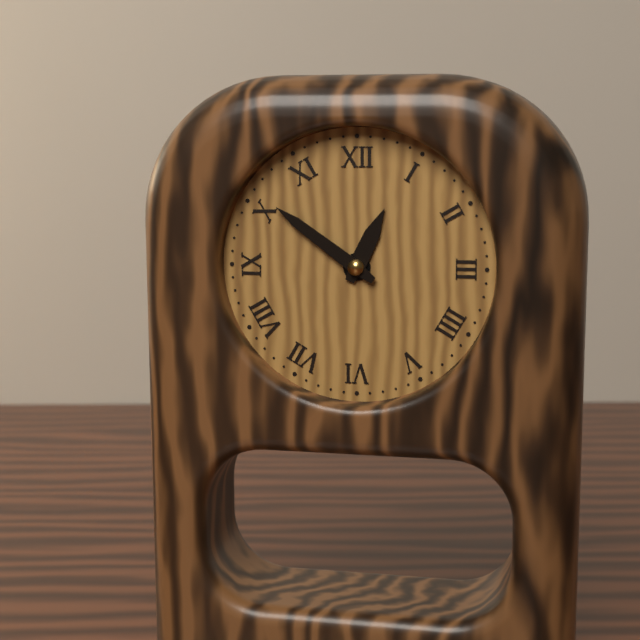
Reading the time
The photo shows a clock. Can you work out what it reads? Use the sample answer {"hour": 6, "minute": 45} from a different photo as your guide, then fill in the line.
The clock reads {"hour": 12, "minute": 51}
